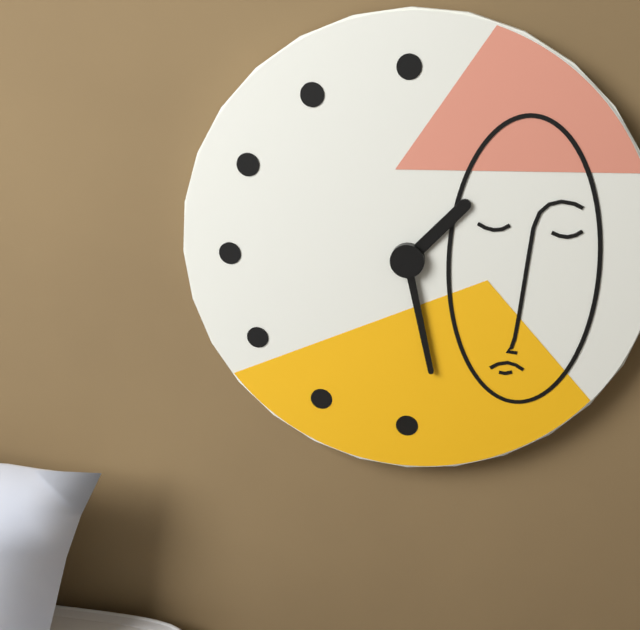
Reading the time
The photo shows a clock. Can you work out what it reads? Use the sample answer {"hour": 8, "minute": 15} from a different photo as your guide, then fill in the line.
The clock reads {"hour": 1, "minute": 28}
